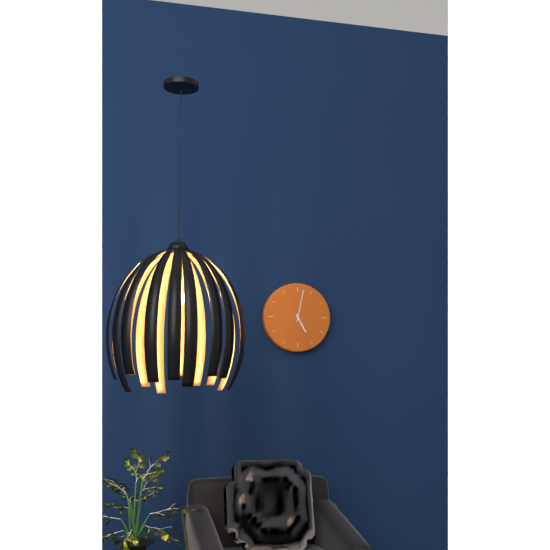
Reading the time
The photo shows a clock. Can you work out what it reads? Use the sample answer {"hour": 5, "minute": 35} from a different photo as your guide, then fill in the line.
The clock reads {"hour": 5, "minute": 2}
